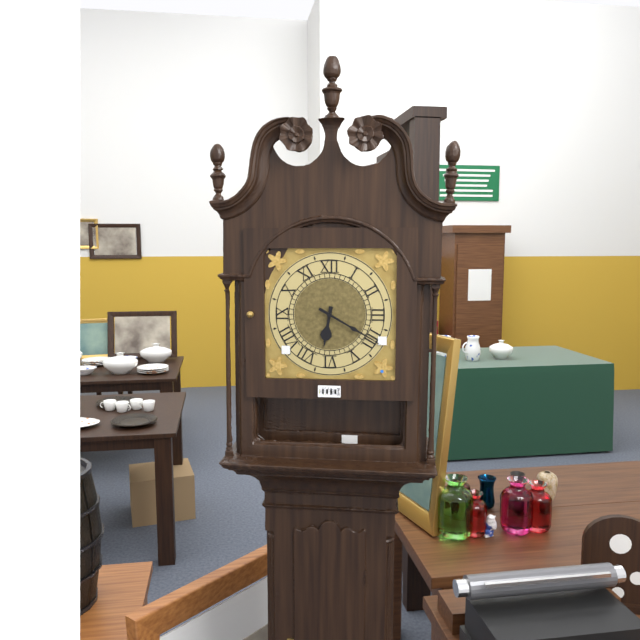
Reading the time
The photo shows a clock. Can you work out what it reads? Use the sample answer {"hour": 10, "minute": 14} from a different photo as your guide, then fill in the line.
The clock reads {"hour": 6, "minute": 20}
